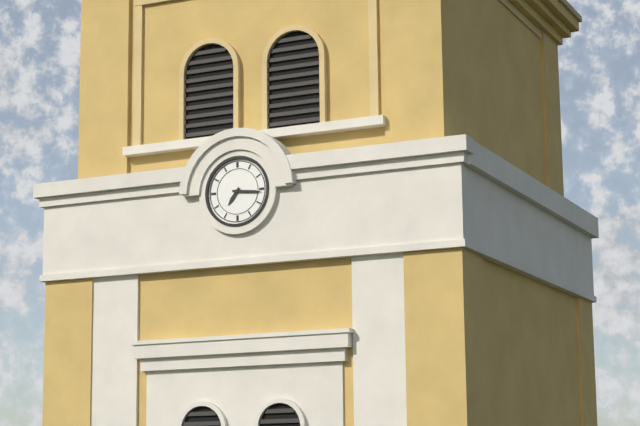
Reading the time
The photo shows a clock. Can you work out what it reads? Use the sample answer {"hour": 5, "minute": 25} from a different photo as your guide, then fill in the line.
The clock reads {"hour": 7, "minute": 16}
